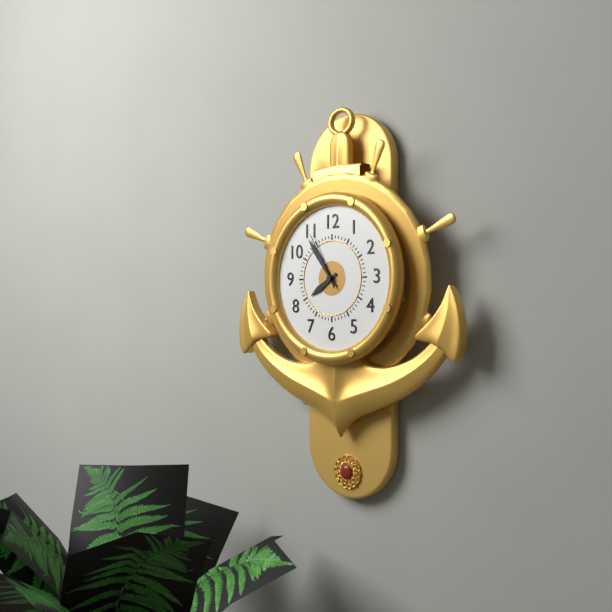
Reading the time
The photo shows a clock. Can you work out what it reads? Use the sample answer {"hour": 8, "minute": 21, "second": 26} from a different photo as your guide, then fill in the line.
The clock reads {"hour": 7, "minute": 54, "second": 55}
